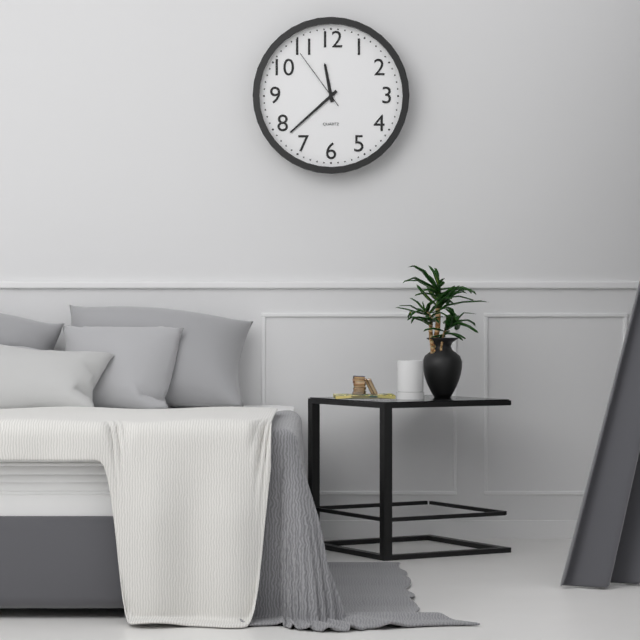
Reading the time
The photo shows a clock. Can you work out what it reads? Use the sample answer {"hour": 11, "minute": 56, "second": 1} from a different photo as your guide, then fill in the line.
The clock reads {"hour": 11, "minute": 38, "second": 54}
